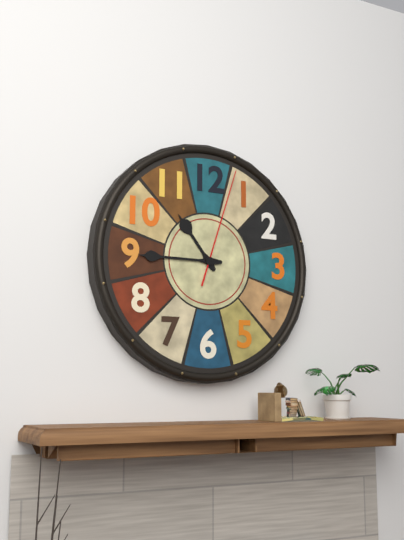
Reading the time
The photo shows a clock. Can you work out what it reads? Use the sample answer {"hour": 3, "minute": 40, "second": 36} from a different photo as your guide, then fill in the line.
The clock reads {"hour": 10, "minute": 45, "second": 3}
